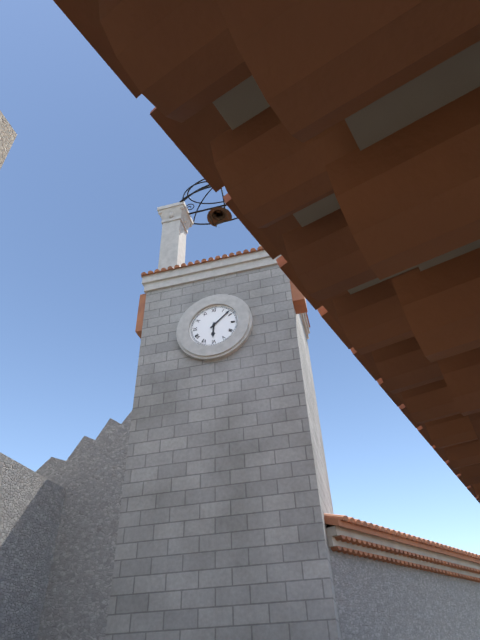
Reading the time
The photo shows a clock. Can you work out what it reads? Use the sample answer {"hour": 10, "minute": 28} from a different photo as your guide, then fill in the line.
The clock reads {"hour": 6, "minute": 8}
